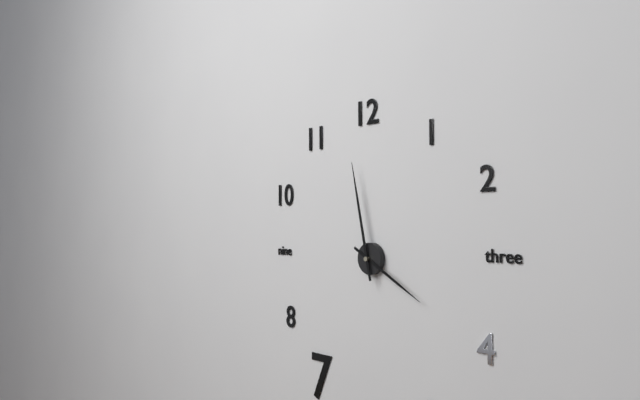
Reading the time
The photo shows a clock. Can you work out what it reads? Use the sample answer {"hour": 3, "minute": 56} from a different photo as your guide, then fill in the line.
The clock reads {"hour": 3, "minute": 58}
